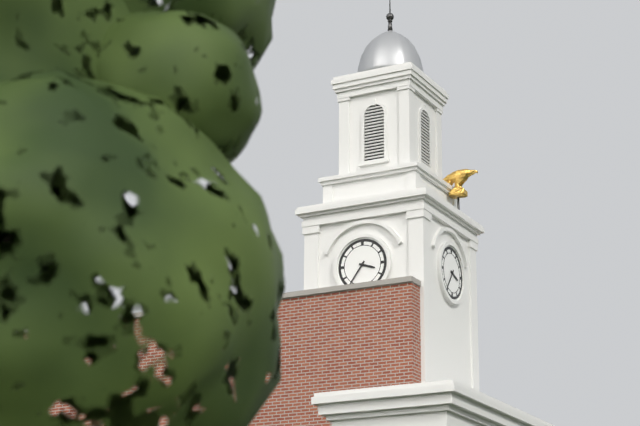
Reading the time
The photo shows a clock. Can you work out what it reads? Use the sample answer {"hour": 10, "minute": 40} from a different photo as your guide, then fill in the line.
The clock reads {"hour": 3, "minute": 36}
